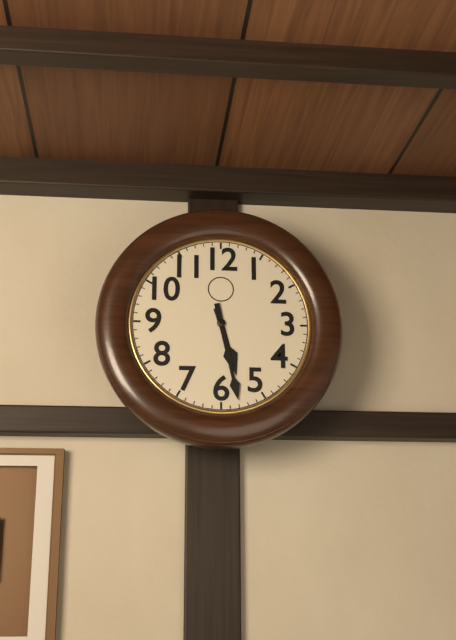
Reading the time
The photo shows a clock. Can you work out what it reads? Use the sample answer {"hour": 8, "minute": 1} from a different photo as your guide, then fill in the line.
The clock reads {"hour": 5, "minute": 28}
